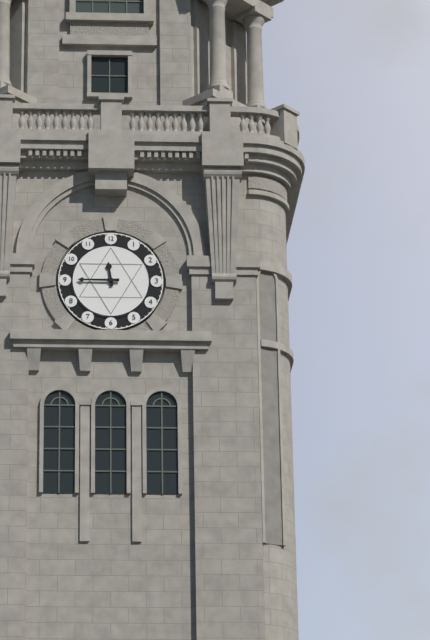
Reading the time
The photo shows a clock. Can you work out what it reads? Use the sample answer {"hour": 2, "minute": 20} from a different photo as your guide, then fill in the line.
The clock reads {"hour": 11, "minute": 45}
